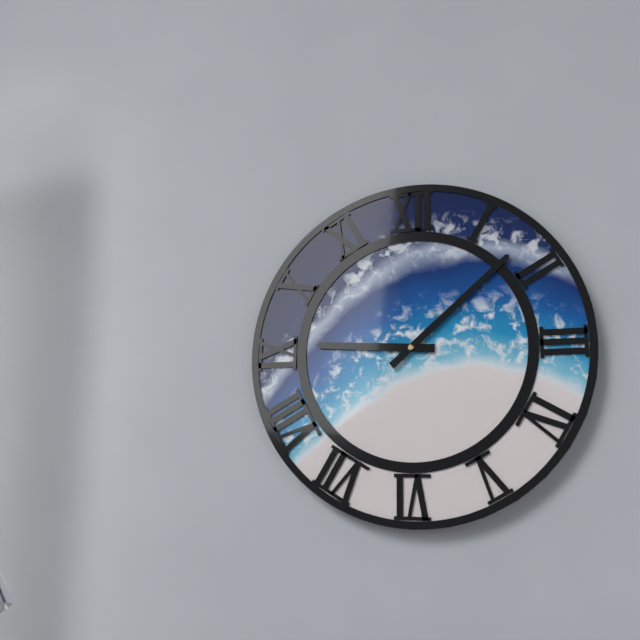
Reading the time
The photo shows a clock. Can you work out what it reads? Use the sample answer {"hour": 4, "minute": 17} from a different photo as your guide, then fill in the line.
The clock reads {"hour": 9, "minute": 8}
